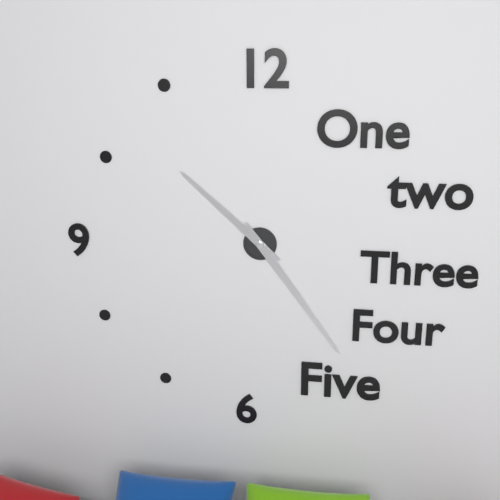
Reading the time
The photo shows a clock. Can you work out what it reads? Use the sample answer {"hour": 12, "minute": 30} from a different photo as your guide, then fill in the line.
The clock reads {"hour": 10, "minute": 24}
